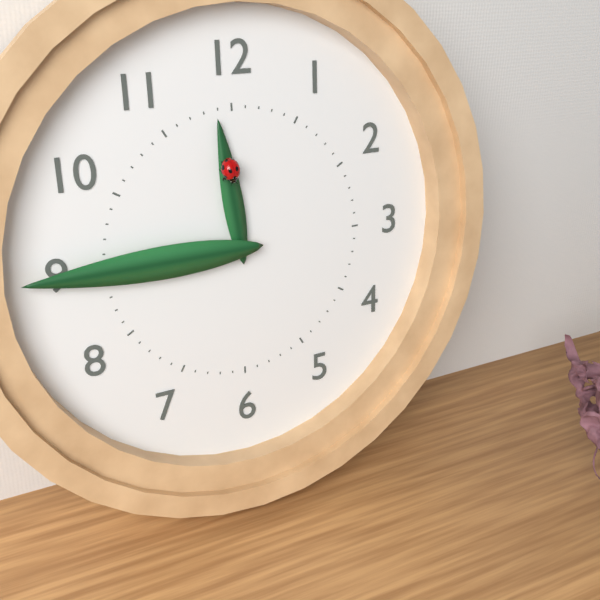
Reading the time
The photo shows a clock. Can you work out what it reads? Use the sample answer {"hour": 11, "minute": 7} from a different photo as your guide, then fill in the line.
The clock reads {"hour": 11, "minute": 45}
